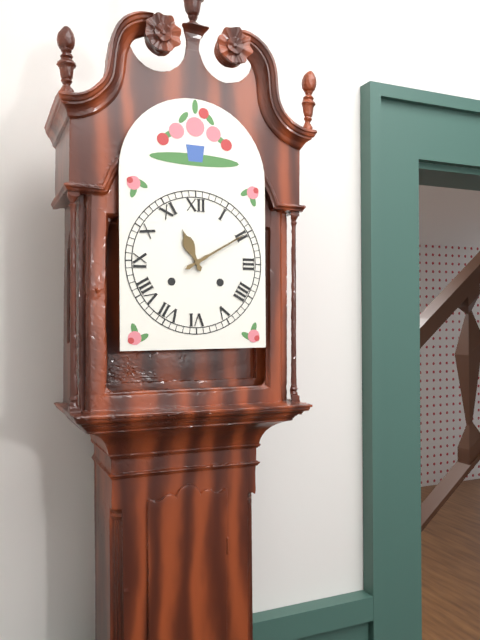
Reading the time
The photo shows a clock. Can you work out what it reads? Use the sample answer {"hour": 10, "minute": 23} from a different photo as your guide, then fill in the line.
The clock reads {"hour": 11, "minute": 10}
